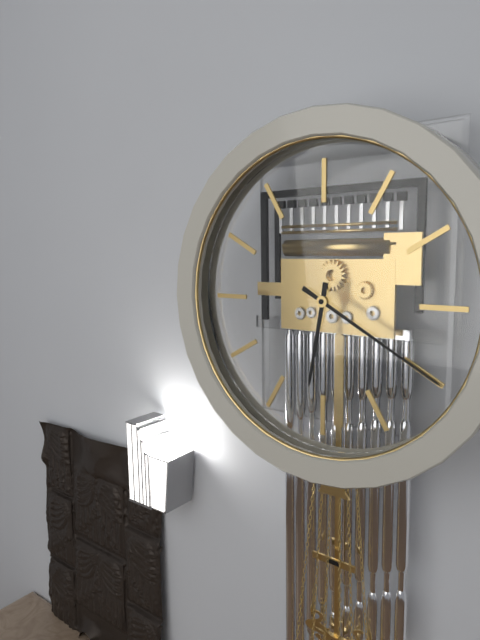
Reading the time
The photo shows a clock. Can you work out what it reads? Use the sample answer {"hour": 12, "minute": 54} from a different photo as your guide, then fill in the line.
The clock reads {"hour": 6, "minute": 20}
